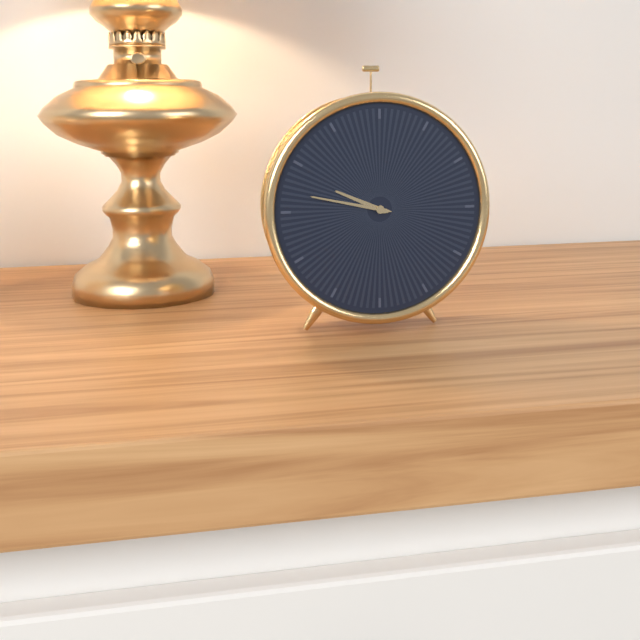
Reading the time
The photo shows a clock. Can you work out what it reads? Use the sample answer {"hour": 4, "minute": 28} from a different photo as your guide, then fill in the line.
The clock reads {"hour": 9, "minute": 47}
